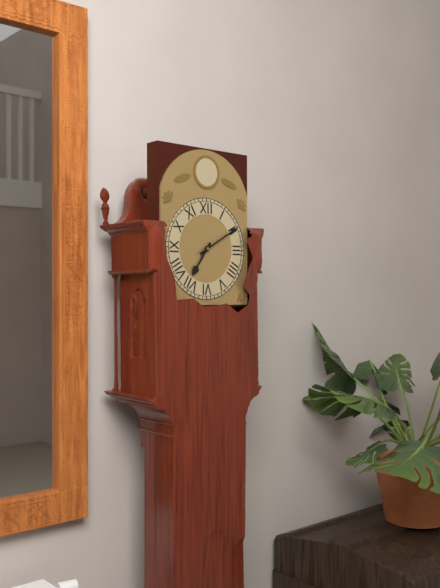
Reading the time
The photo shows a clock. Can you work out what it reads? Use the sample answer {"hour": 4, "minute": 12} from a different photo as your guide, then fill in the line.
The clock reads {"hour": 7, "minute": 10}
